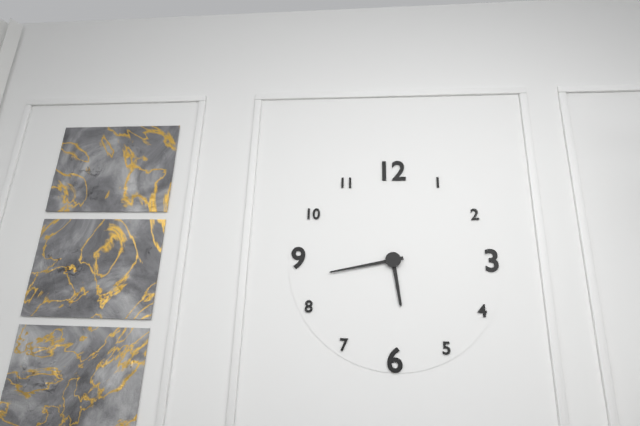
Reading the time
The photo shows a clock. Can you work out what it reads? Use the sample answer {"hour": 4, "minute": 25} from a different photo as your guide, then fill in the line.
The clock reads {"hour": 5, "minute": 43}
